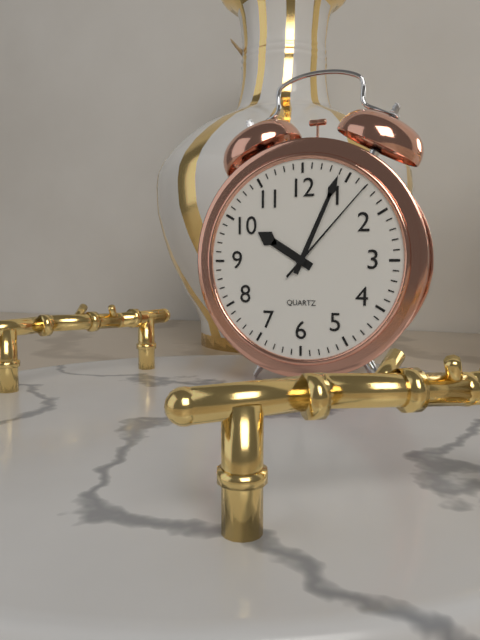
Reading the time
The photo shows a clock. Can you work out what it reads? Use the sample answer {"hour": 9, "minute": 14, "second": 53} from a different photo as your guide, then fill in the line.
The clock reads {"hour": 10, "minute": 4, "second": 7}
